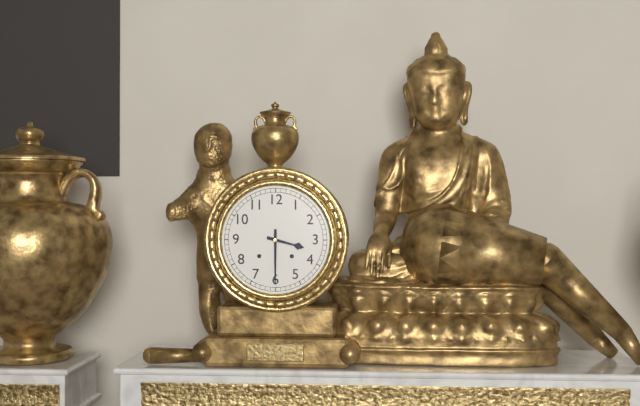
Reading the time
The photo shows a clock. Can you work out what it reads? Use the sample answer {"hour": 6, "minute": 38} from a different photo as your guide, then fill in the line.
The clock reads {"hour": 3, "minute": 30}
